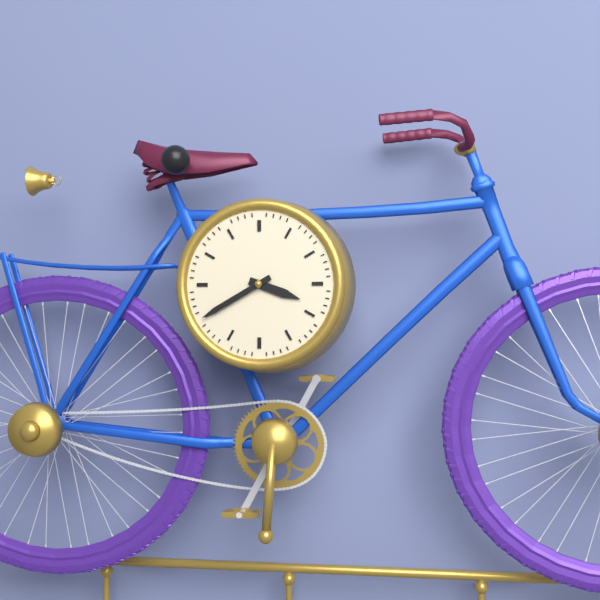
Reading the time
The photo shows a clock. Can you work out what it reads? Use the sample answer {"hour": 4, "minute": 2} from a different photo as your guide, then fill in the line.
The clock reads {"hour": 3, "minute": 40}
